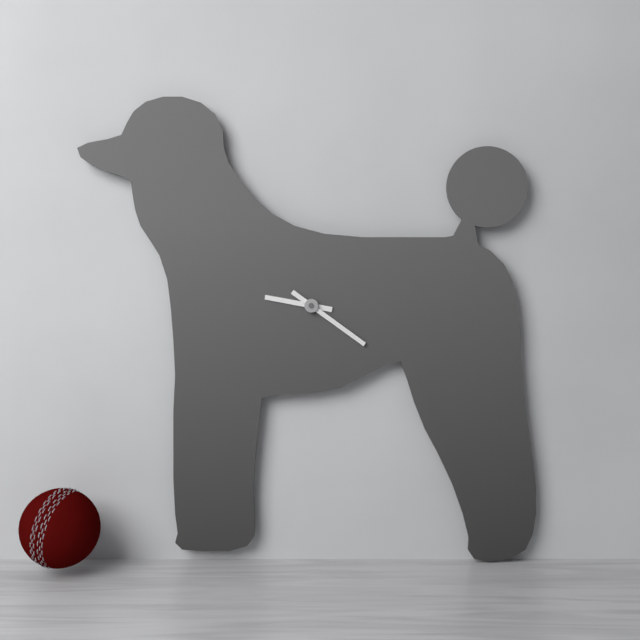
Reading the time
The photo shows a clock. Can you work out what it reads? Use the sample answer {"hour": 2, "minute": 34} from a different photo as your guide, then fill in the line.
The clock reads {"hour": 9, "minute": 21}
